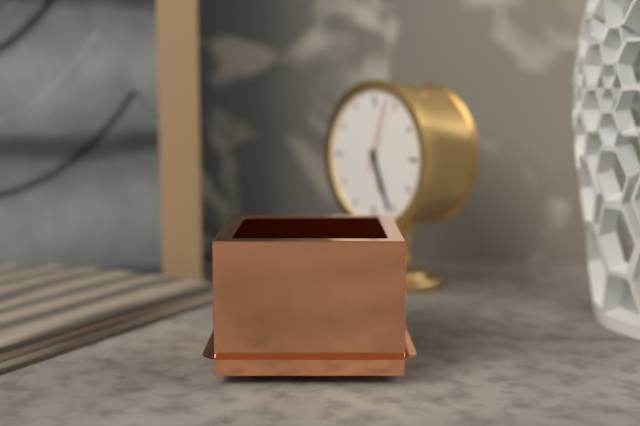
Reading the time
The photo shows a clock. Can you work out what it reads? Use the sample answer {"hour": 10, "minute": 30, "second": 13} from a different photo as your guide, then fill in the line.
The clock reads {"hour": 5, "minute": 26, "second": 3}
